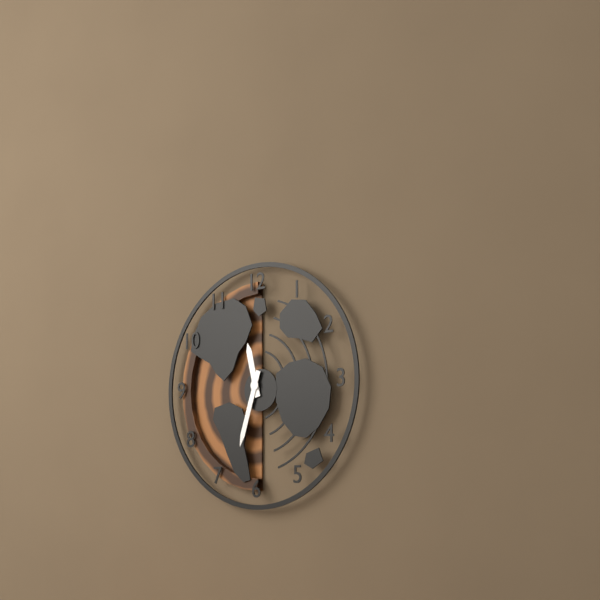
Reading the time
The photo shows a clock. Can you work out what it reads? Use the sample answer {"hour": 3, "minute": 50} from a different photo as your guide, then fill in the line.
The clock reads {"hour": 11, "minute": 33}
